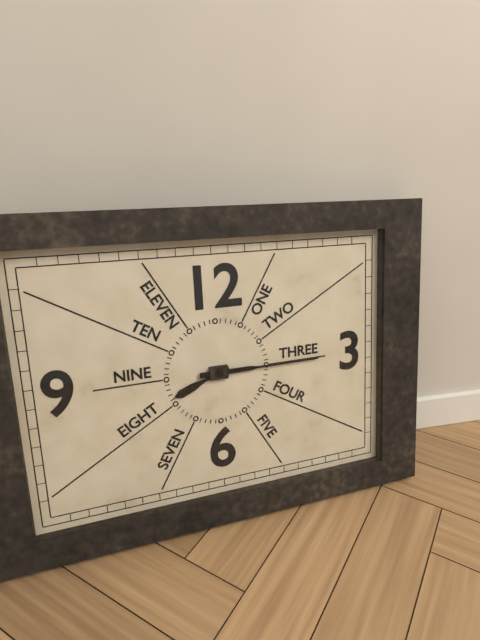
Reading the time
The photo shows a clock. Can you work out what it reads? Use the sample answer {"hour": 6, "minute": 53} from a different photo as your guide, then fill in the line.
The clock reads {"hour": 8, "minute": 15}
